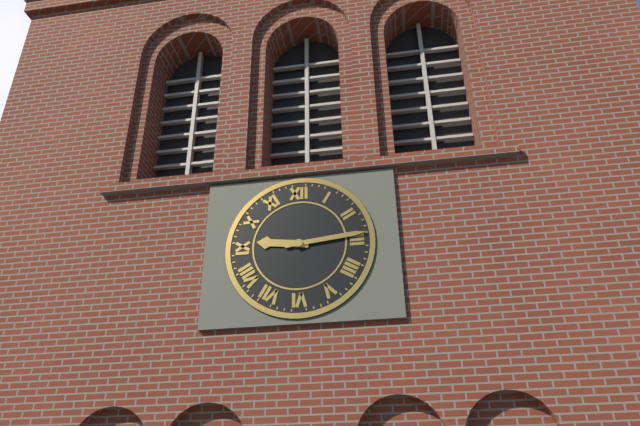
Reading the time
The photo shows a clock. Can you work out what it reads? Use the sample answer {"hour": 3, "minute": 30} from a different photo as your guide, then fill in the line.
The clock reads {"hour": 9, "minute": 14}
